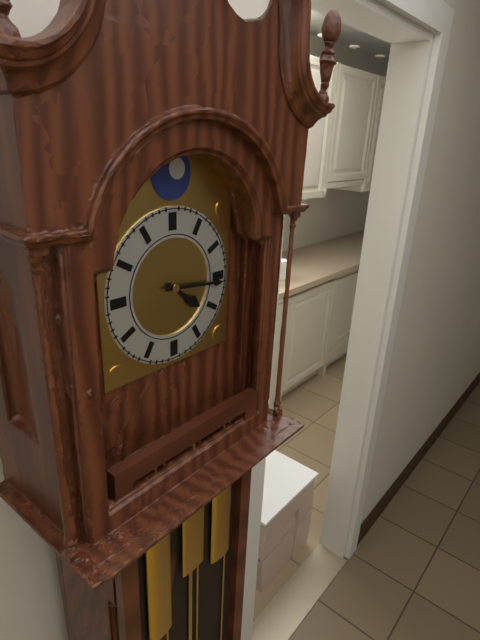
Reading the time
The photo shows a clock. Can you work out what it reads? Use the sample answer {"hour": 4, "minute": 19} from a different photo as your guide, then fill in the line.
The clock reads {"hour": 4, "minute": 16}
